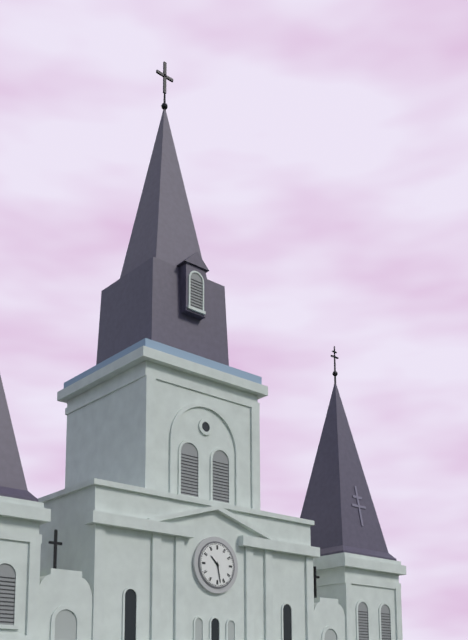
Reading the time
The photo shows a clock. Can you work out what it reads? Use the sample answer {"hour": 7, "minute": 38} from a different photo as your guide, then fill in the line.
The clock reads {"hour": 10, "minute": 28}
